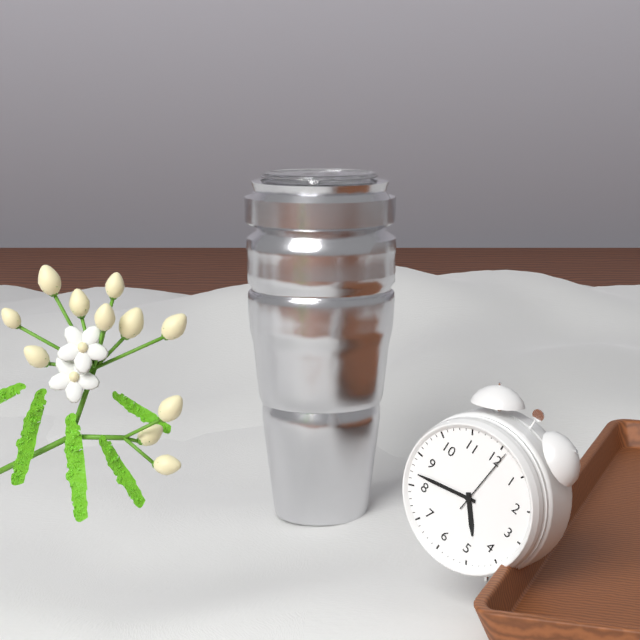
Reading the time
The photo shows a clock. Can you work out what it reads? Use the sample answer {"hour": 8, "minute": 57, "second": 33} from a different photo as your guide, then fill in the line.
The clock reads {"hour": 4, "minute": 42, "second": 1}
